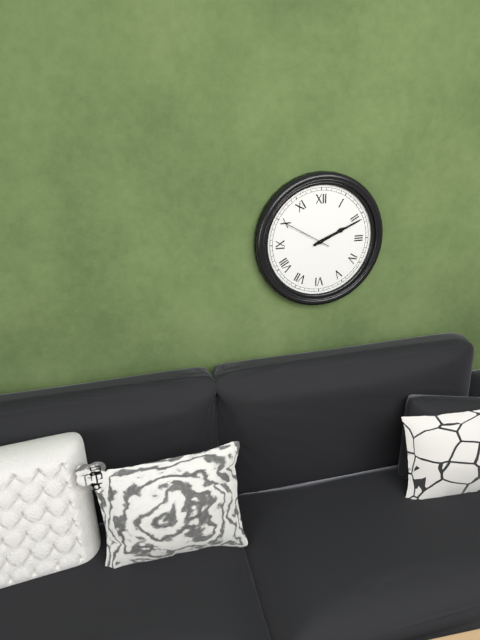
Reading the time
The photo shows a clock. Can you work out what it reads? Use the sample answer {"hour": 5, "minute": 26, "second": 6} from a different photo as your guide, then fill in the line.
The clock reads {"hour": 2, "minute": 11, "second": 50}
